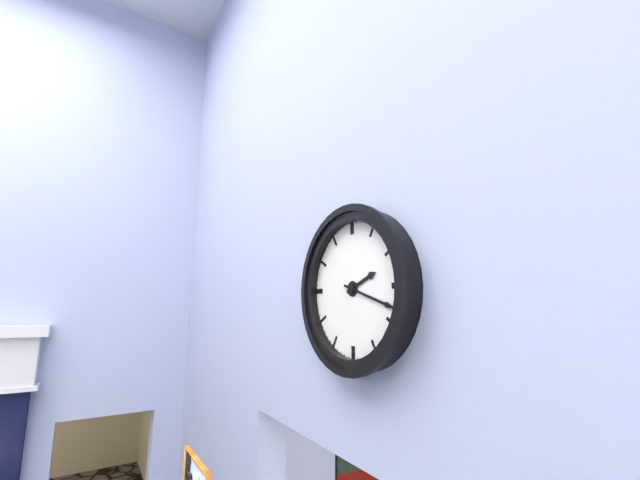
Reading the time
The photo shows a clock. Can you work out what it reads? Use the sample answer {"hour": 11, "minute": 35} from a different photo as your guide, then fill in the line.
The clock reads {"hour": 2, "minute": 18}
